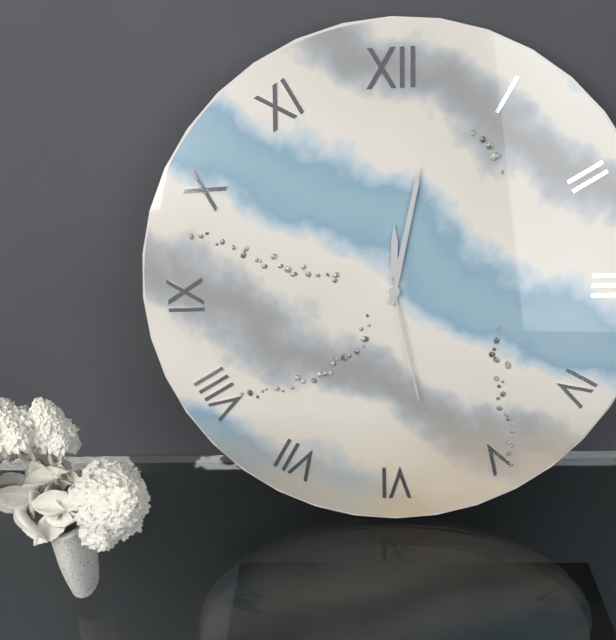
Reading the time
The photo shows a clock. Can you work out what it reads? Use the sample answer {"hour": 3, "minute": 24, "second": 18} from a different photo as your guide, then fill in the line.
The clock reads {"hour": 12, "minute": 2, "second": 28}
